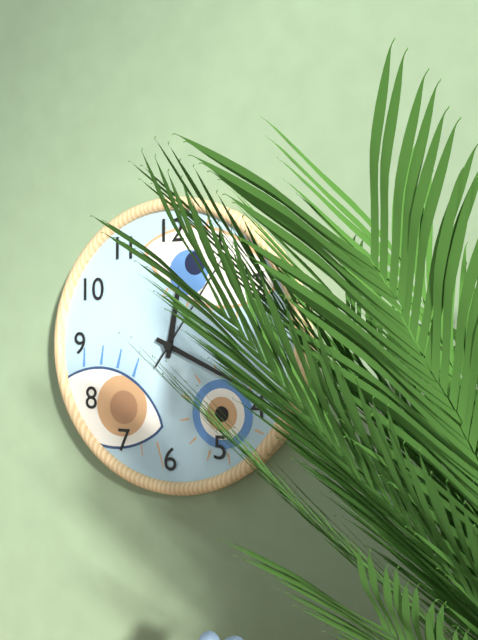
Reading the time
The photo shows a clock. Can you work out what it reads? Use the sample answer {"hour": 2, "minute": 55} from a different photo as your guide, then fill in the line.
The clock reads {"hour": 12, "minute": 19}
